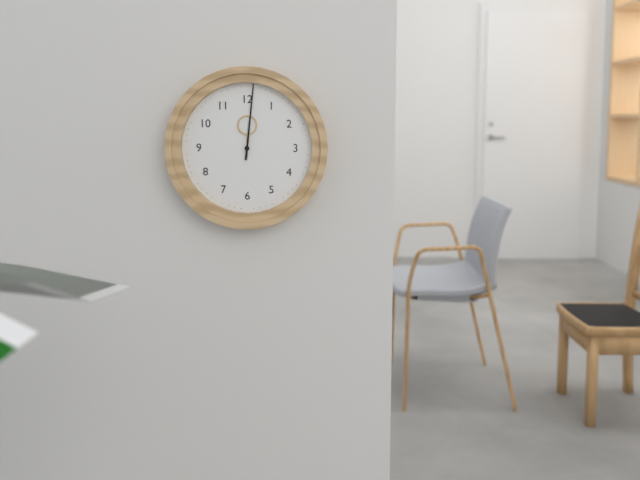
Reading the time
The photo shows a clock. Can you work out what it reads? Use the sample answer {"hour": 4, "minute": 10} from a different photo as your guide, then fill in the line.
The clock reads {"hour": 12, "minute": 1}
